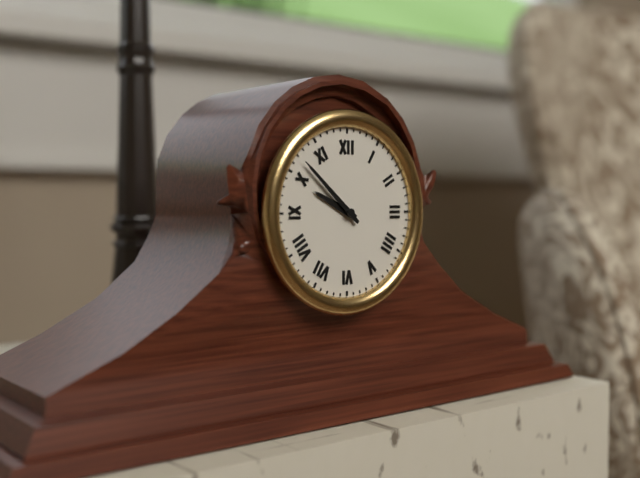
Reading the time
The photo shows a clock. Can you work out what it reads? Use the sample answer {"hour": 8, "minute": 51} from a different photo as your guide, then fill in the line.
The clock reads {"hour": 9, "minute": 52}
